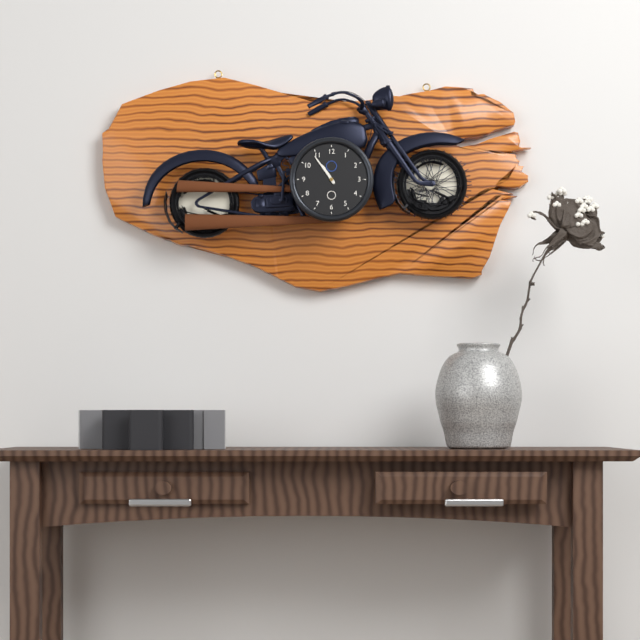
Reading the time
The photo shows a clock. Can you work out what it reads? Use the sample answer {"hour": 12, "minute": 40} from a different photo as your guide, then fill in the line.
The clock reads {"hour": 10, "minute": 54}
